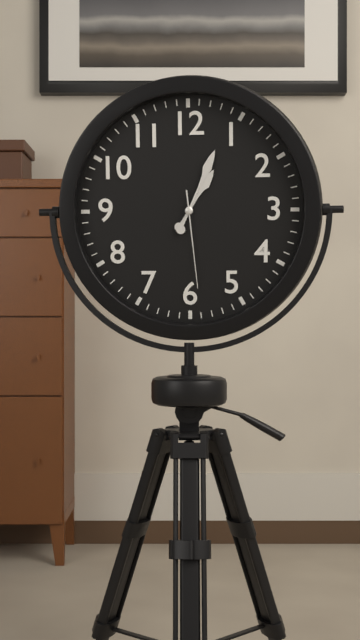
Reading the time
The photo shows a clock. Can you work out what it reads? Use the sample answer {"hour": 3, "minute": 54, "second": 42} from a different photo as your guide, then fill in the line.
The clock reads {"hour": 1, "minute": 4, "second": 29}
